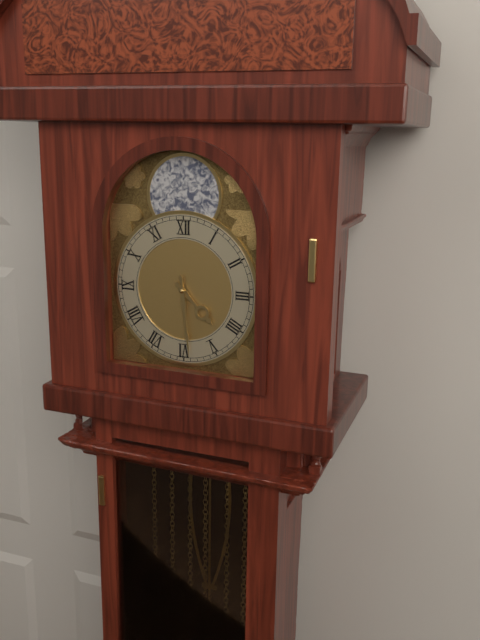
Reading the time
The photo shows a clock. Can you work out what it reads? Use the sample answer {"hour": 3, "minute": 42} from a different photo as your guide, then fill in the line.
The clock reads {"hour": 4, "minute": 29}
